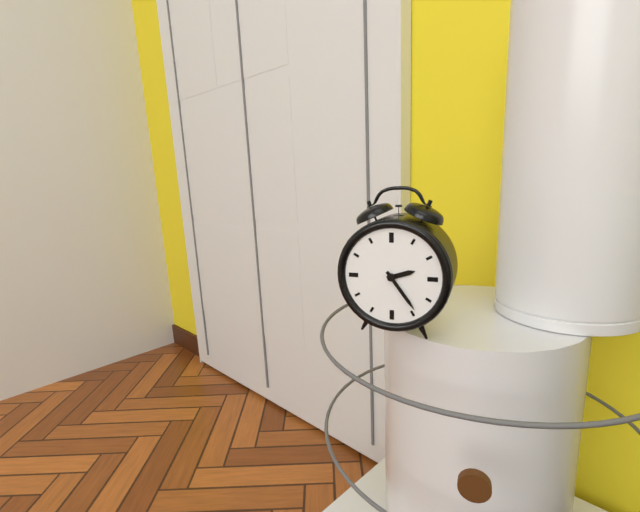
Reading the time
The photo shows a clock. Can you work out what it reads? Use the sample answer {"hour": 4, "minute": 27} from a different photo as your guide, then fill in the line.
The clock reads {"hour": 2, "minute": 24}
